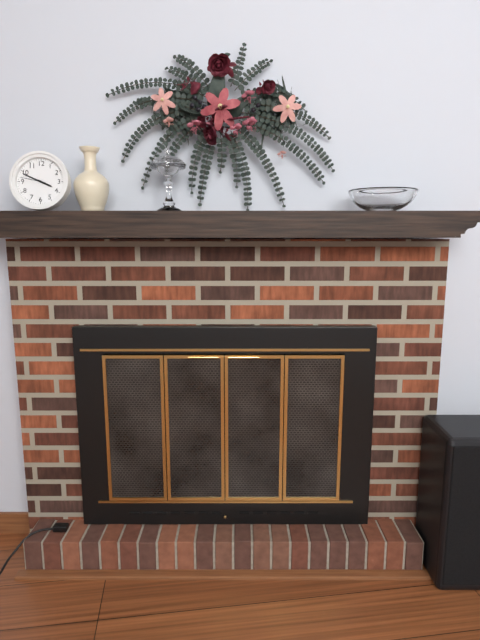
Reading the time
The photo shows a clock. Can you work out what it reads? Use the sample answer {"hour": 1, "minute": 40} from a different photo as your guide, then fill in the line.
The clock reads {"hour": 3, "minute": 49}
